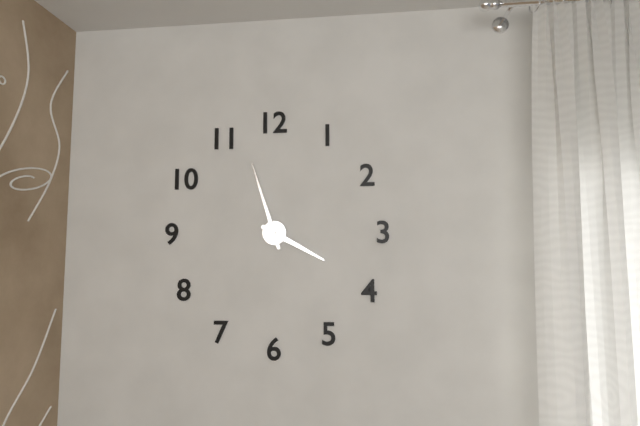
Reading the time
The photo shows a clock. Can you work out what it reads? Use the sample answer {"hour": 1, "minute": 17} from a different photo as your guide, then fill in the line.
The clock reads {"hour": 3, "minute": 57}
